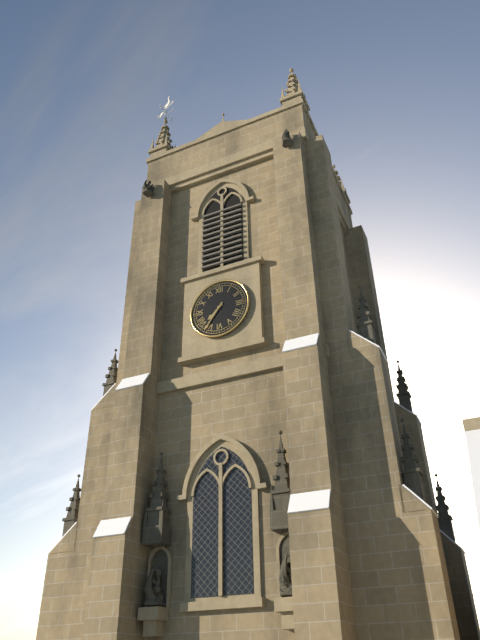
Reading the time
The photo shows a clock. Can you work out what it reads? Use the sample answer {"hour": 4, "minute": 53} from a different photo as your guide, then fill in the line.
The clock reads {"hour": 7, "minute": 36}
